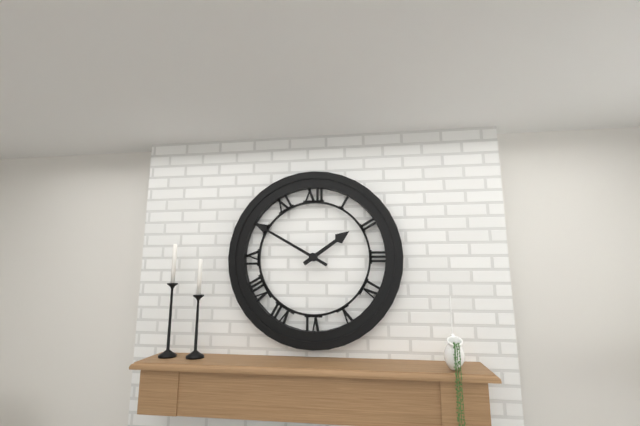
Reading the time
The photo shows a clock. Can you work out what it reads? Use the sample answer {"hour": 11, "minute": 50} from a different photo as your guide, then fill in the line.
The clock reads {"hour": 1, "minute": 50}
